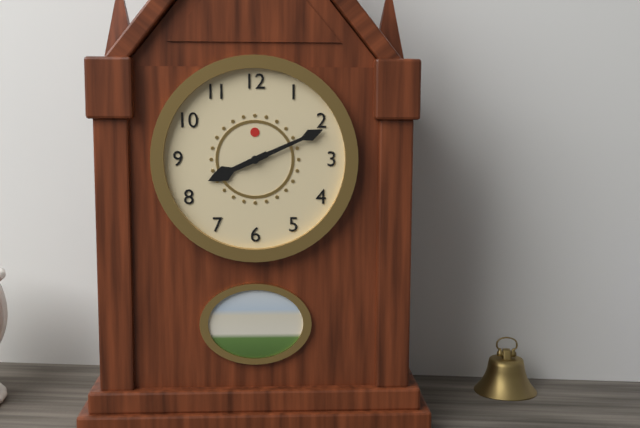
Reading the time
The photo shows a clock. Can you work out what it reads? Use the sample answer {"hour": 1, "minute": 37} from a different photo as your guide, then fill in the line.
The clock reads {"hour": 8, "minute": 11}
